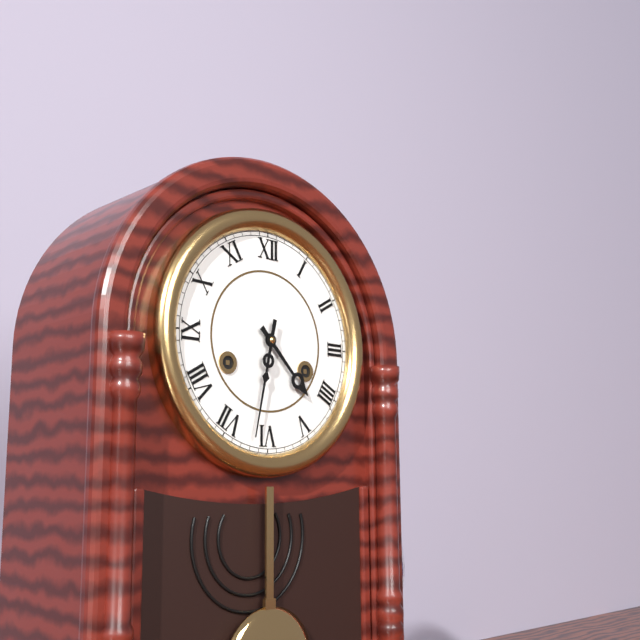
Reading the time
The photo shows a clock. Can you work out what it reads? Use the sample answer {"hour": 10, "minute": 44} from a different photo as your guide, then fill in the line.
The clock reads {"hour": 4, "minute": 32}
